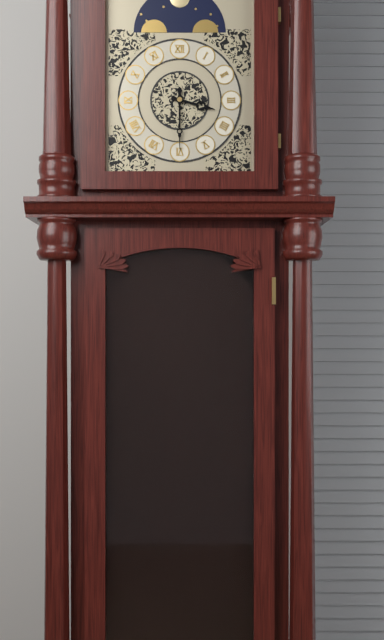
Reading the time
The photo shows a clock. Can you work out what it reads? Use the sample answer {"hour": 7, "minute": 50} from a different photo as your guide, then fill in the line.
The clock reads {"hour": 3, "minute": 30}
